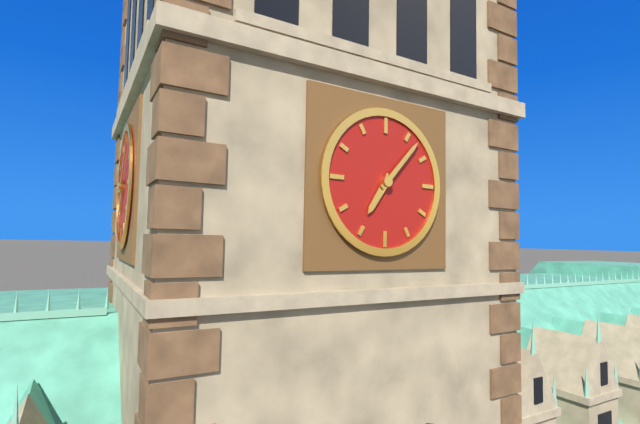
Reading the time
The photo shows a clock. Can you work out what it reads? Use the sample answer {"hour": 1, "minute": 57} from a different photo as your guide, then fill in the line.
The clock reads {"hour": 7, "minute": 7}
